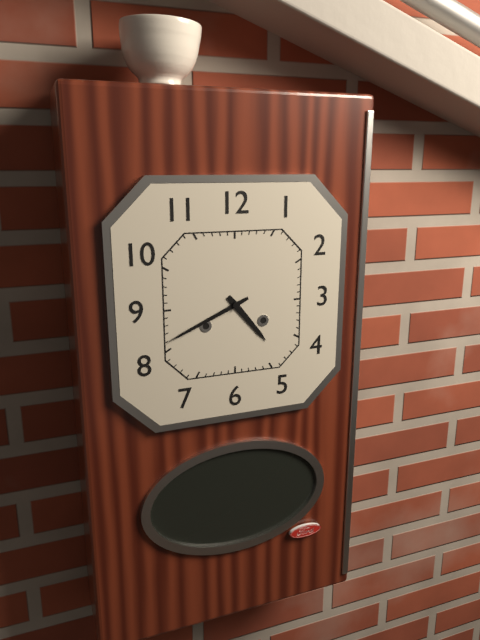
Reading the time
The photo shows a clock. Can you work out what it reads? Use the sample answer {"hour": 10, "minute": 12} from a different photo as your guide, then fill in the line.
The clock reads {"hour": 4, "minute": 41}
